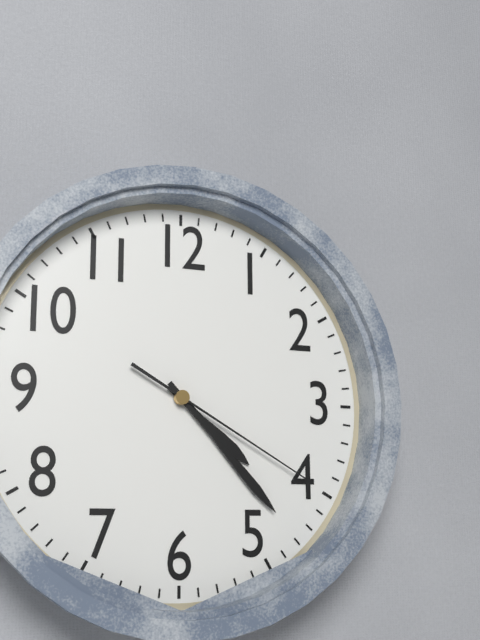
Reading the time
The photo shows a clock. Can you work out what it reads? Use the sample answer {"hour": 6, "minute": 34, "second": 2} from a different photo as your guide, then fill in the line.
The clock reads {"hour": 4, "minute": 23, "second": 20}
